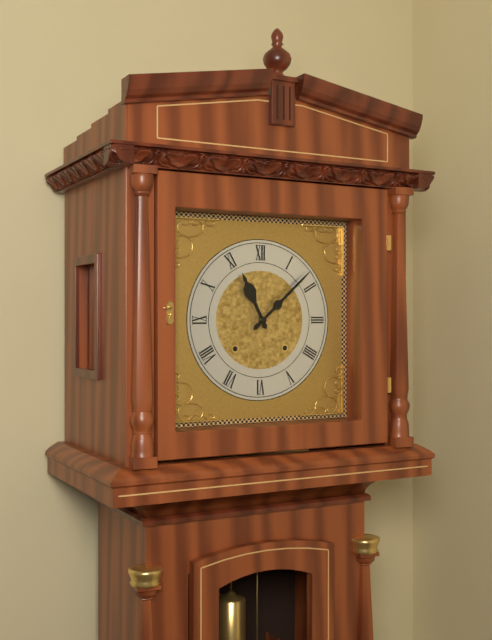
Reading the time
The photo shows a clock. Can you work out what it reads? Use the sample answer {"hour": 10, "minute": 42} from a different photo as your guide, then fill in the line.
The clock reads {"hour": 11, "minute": 8}
